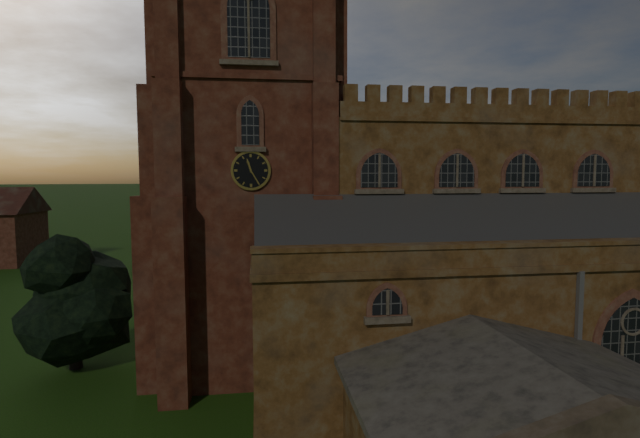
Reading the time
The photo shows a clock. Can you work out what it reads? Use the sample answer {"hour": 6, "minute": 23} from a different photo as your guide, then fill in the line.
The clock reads {"hour": 11, "minute": 25}
